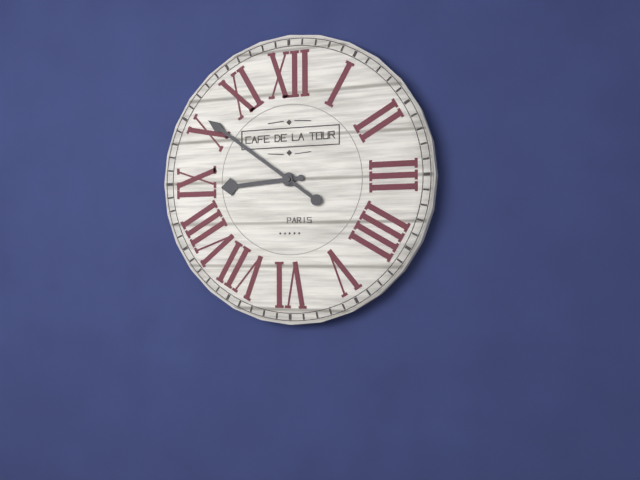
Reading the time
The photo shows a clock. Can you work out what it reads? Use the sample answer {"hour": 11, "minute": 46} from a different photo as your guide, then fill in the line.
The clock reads {"hour": 8, "minute": 51}
